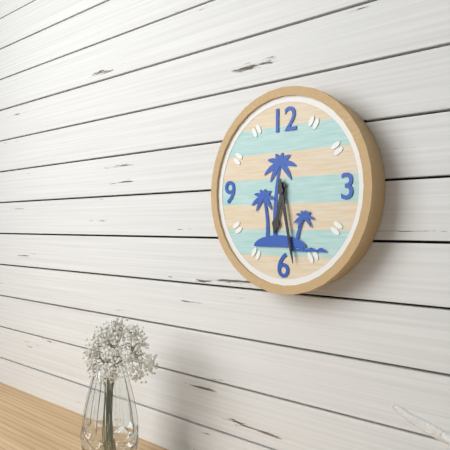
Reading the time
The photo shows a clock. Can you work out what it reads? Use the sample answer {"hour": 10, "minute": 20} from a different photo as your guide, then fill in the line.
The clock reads {"hour": 6, "minute": 28}
